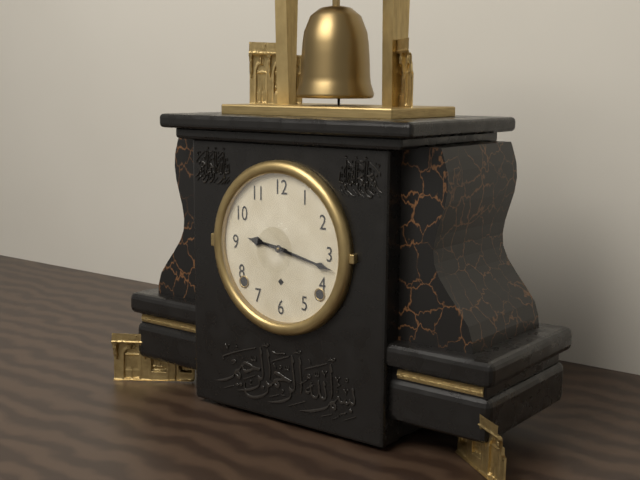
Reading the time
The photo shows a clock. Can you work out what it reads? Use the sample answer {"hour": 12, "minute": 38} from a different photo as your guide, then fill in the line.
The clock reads {"hour": 9, "minute": 17}
